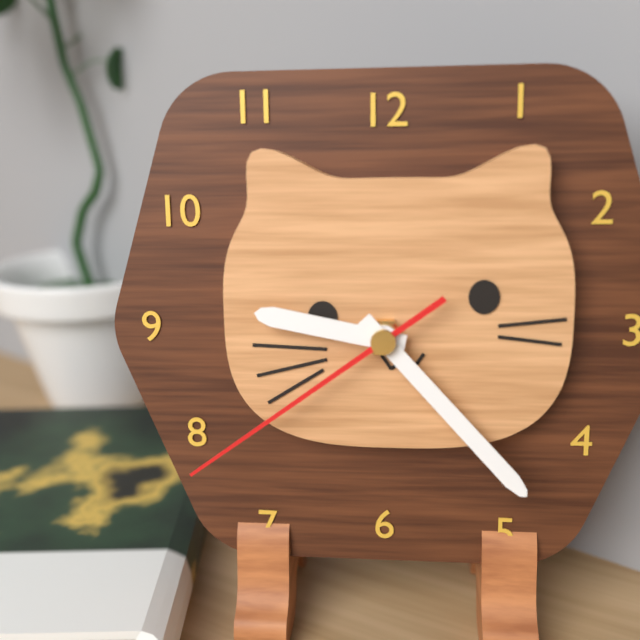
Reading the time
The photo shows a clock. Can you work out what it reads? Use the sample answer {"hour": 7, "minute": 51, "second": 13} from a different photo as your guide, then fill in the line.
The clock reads {"hour": 9, "minute": 23, "second": 39}
